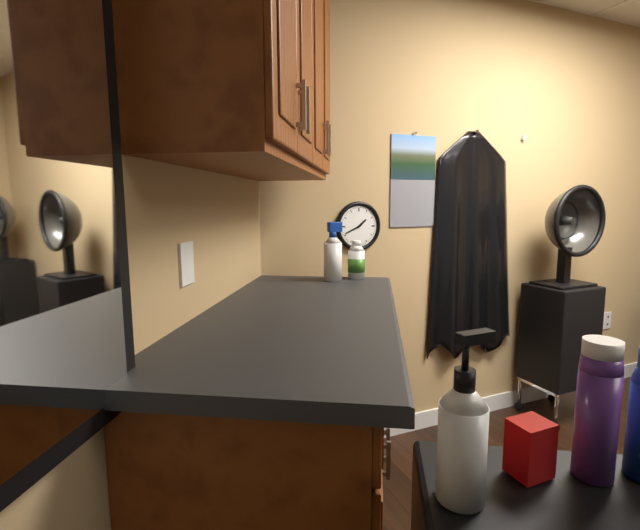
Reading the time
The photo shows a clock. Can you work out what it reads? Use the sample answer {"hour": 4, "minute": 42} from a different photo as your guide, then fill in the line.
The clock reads {"hour": 1, "minute": 41}
